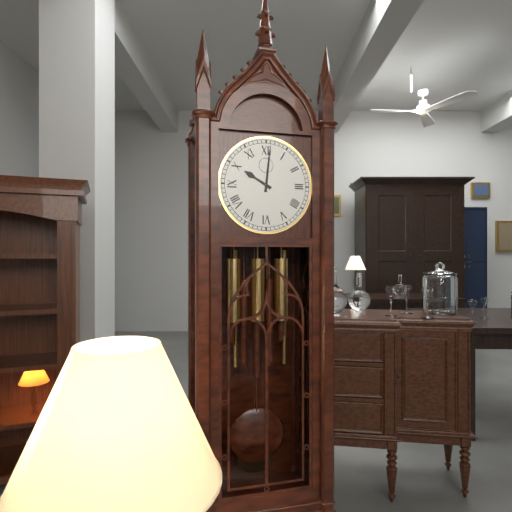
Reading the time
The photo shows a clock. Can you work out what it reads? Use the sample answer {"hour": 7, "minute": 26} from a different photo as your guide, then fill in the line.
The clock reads {"hour": 10, "minute": 1}
